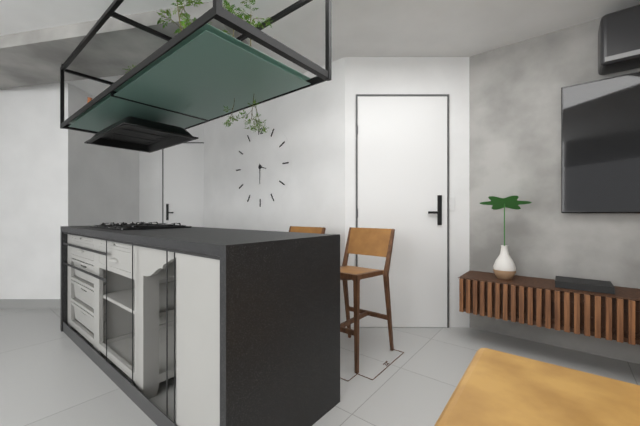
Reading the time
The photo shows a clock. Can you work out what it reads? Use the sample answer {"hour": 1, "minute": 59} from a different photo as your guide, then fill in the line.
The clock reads {"hour": 3, "minute": 30}
